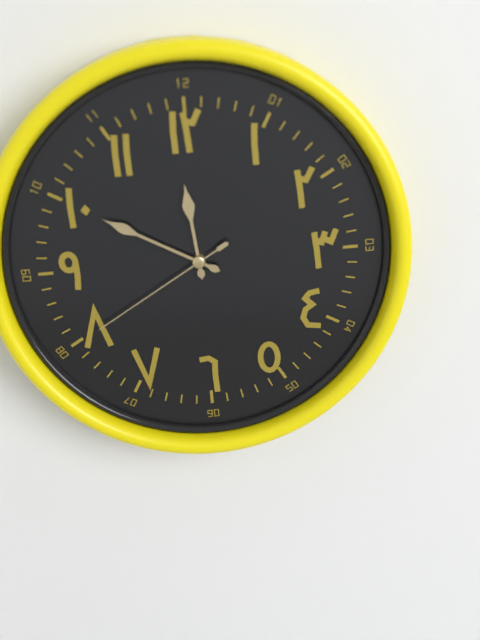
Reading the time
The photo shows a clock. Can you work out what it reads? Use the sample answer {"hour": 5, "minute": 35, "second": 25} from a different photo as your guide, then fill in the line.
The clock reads {"hour": 11, "minute": 50, "second": 40}
